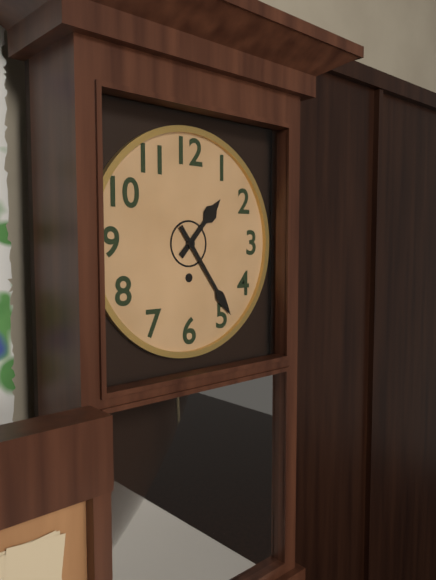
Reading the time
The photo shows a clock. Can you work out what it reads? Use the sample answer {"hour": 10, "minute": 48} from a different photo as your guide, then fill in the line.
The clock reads {"hour": 1, "minute": 24}
